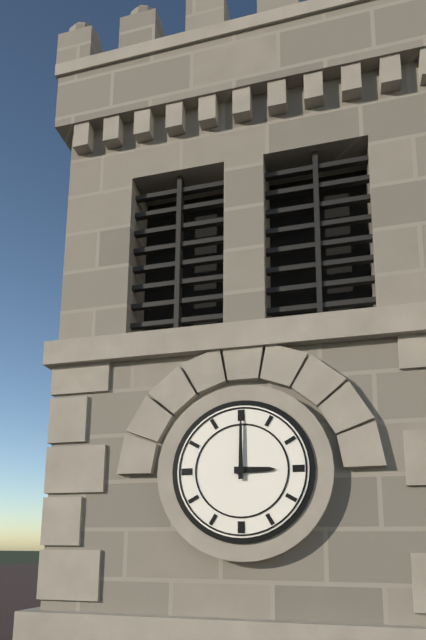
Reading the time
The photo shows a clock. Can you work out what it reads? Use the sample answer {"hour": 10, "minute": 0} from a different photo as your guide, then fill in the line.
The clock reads {"hour": 3, "minute": 0}
